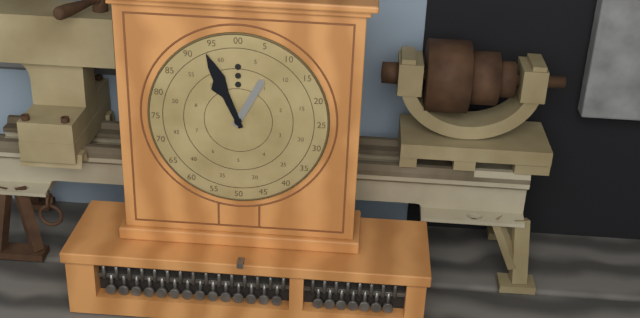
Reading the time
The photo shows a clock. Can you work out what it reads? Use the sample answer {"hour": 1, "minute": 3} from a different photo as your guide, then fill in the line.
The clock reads {"hour": 12, "minute": 56}
